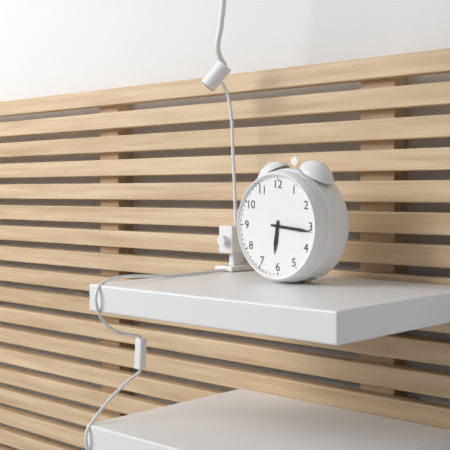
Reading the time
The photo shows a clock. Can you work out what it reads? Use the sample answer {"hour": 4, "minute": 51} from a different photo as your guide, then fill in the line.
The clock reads {"hour": 6, "minute": 16}
